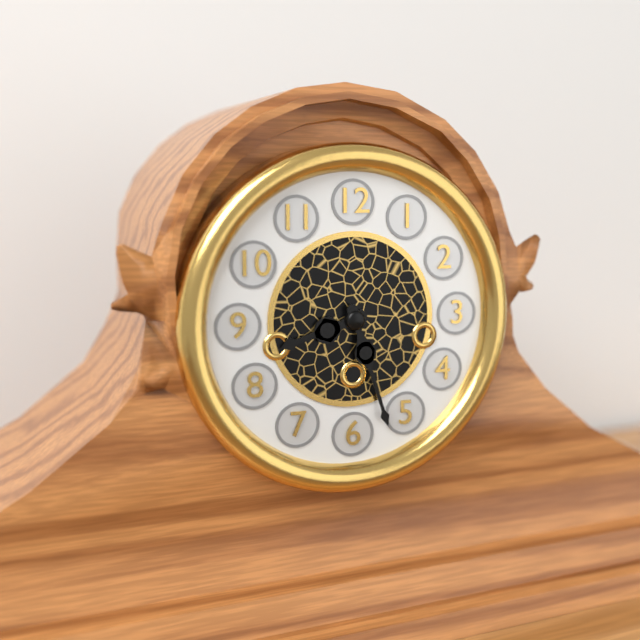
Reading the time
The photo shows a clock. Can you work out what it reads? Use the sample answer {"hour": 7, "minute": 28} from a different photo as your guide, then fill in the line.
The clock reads {"hour": 8, "minute": 27}
